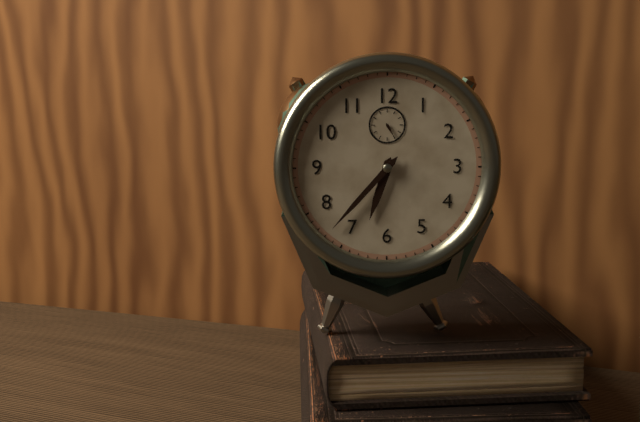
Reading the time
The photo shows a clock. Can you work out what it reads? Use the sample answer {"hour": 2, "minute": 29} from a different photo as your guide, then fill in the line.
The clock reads {"hour": 6, "minute": 37}
